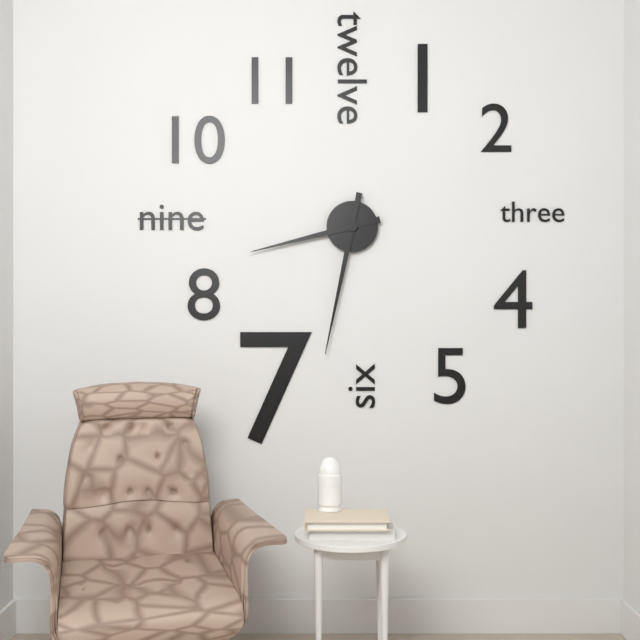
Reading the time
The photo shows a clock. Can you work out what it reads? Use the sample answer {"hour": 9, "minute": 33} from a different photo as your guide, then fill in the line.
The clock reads {"hour": 8, "minute": 32}
